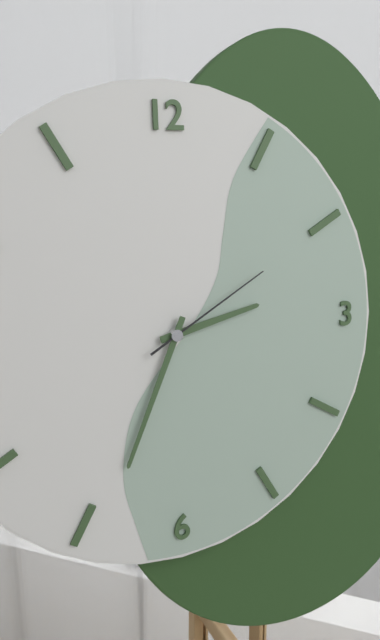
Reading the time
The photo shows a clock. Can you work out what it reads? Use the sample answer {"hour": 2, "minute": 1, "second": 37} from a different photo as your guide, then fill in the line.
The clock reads {"hour": 2, "minute": 34, "second": 10}
